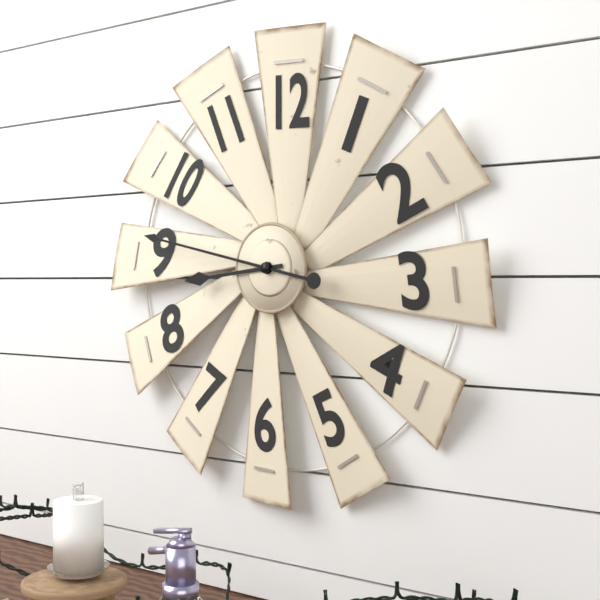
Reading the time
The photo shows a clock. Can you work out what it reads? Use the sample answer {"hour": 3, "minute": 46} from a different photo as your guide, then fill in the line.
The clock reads {"hour": 8, "minute": 47}
